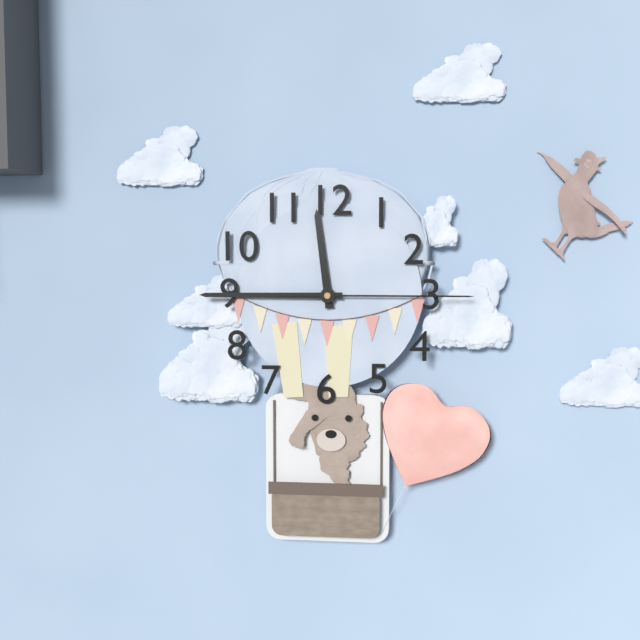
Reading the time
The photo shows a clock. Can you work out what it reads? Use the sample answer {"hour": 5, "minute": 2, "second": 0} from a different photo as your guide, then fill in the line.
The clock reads {"hour": 11, "minute": 45, "second": 15}
